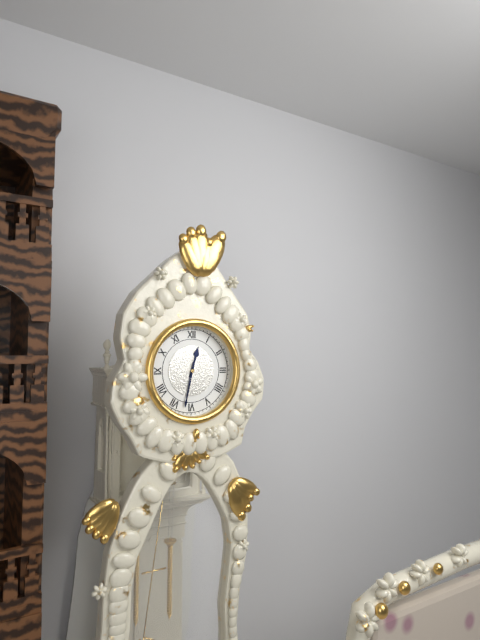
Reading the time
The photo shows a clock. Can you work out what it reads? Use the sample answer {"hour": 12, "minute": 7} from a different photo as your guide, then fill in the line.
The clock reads {"hour": 12, "minute": 32}
